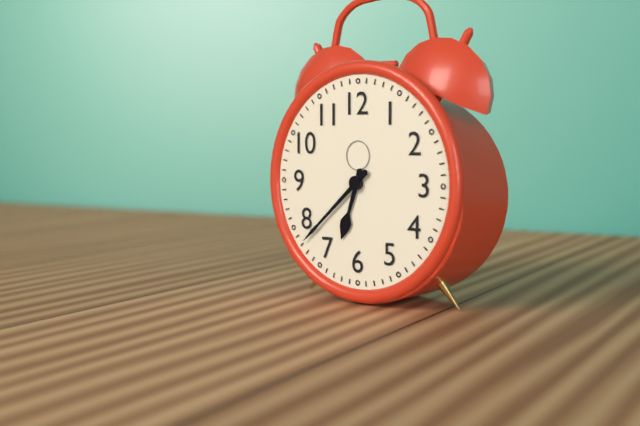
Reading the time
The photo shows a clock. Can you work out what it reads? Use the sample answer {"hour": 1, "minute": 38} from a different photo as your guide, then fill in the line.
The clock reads {"hour": 6, "minute": 38}
